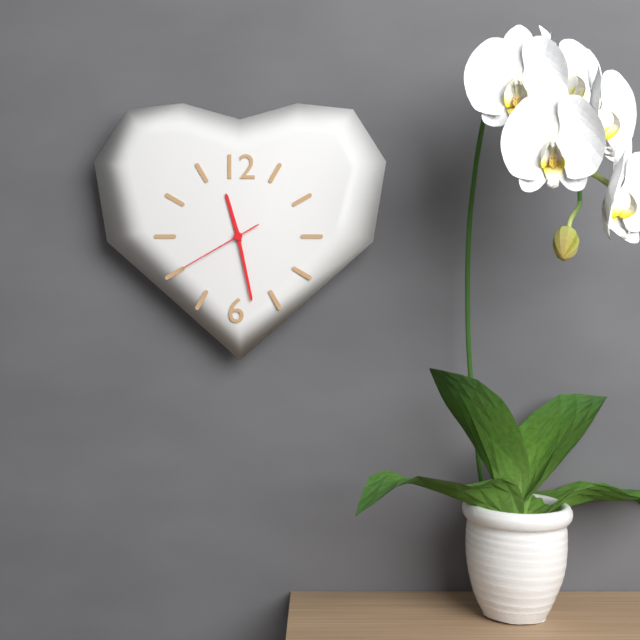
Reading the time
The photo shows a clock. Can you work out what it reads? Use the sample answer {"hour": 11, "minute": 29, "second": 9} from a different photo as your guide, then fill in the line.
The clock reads {"hour": 11, "minute": 28, "second": 40}
